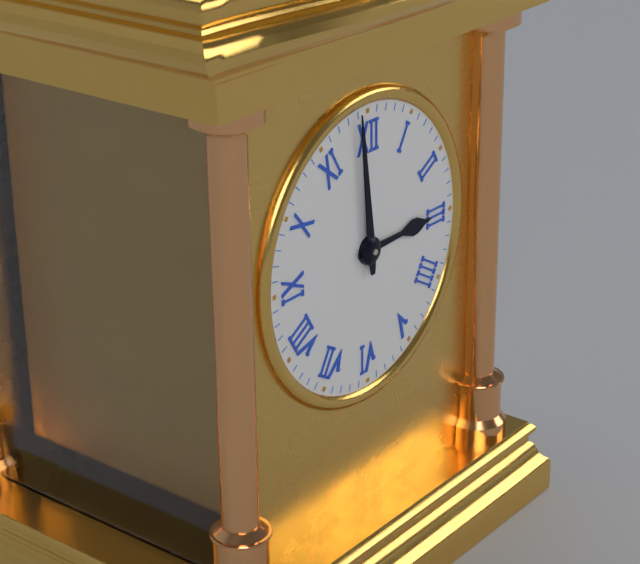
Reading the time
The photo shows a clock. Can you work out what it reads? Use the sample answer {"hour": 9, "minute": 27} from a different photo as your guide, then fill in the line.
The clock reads {"hour": 2, "minute": 59}
